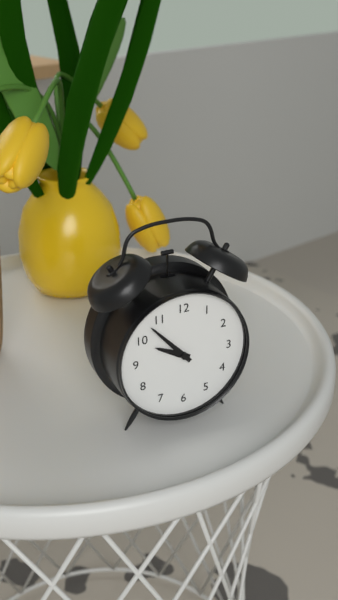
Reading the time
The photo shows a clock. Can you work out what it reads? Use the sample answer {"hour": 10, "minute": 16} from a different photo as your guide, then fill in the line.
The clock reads {"hour": 9, "minute": 53}
